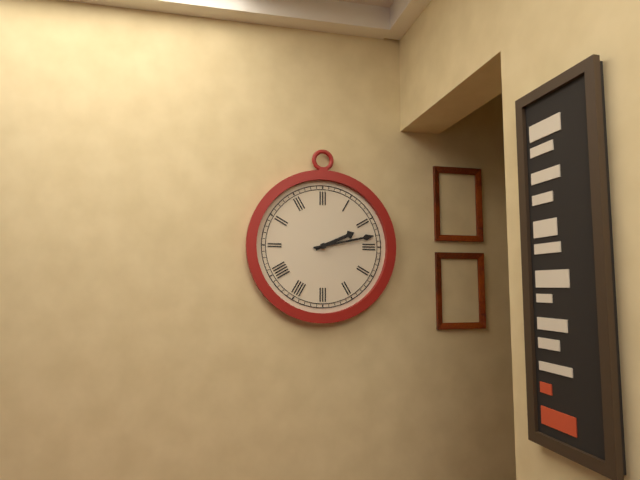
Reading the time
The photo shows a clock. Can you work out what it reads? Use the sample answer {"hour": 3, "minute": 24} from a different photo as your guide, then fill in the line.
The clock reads {"hour": 2, "minute": 13}
